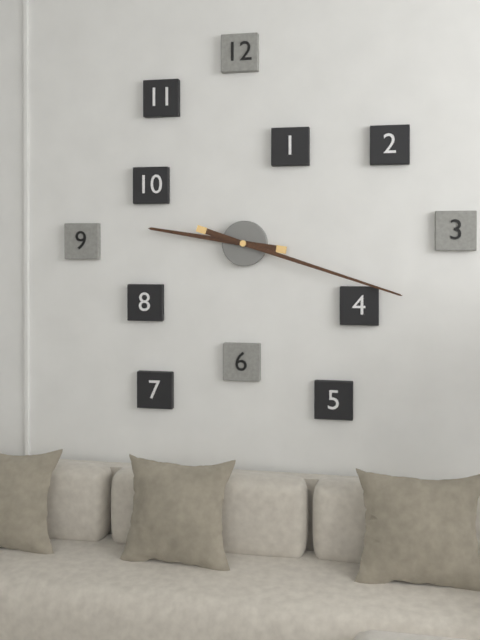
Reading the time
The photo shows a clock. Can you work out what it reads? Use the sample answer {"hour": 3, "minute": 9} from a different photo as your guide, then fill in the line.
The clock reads {"hour": 9, "minute": 18}
